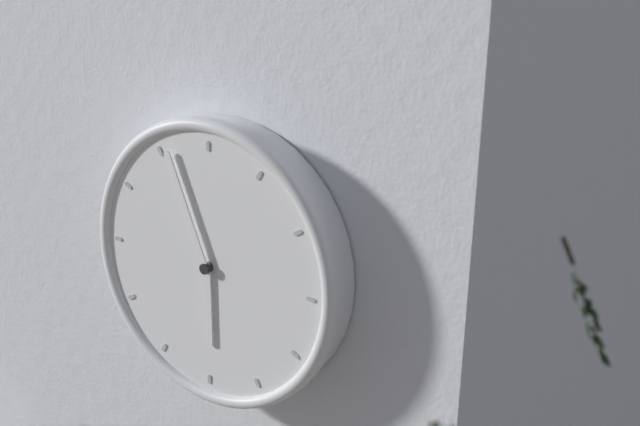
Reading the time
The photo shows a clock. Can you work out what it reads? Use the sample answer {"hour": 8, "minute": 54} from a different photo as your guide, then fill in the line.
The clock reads {"hour": 5, "minute": 56}
